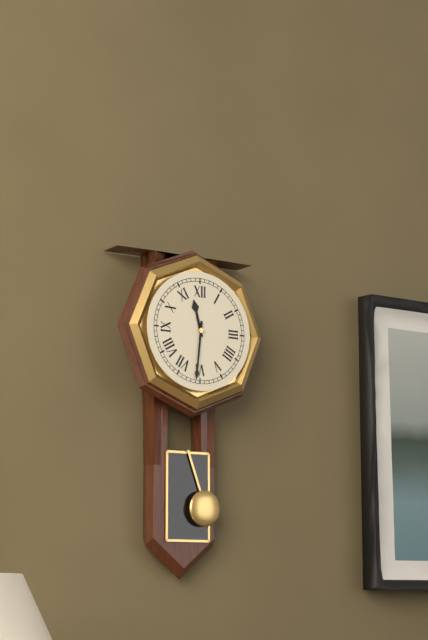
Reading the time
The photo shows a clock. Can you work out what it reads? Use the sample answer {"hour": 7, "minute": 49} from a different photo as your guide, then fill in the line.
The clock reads {"hour": 11, "minute": 31}
